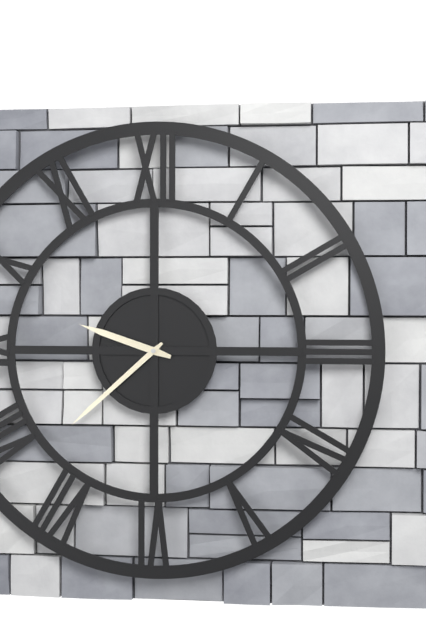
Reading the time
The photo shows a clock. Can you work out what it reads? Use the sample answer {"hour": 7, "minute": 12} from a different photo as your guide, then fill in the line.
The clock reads {"hour": 9, "minute": 38}
